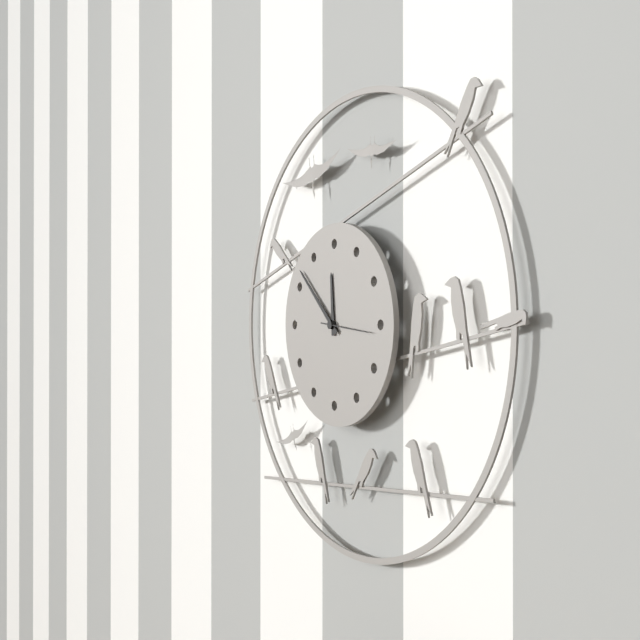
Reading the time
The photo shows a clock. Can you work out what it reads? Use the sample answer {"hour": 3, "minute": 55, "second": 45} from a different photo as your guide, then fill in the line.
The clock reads {"hour": 11, "minute": 52, "second": 16}
